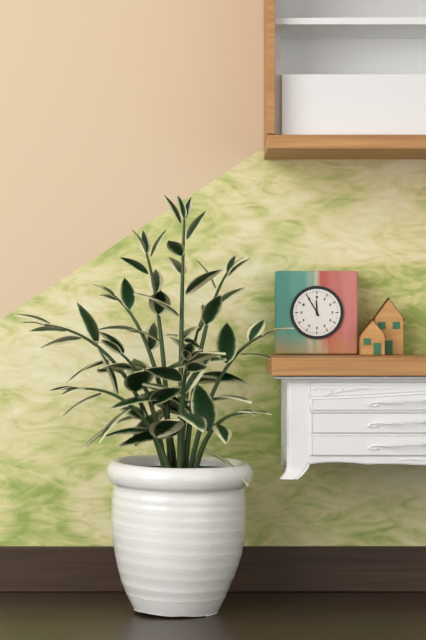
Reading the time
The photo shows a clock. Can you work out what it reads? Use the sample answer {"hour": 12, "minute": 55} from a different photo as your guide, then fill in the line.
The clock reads {"hour": 11, "minute": 55}
